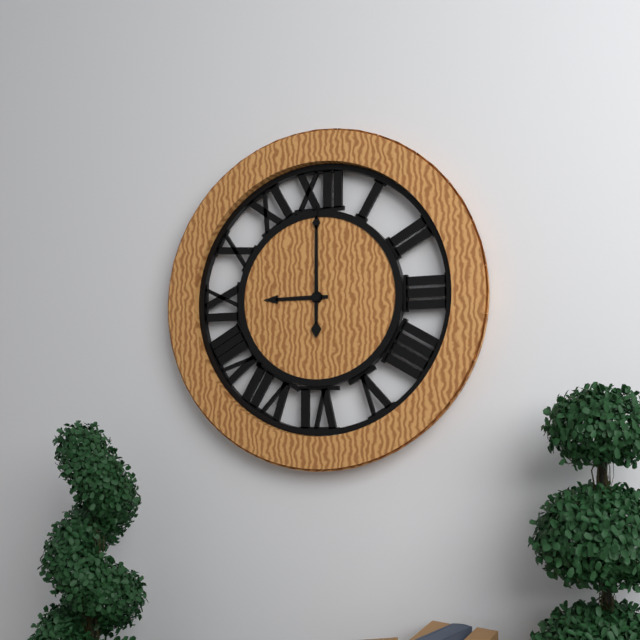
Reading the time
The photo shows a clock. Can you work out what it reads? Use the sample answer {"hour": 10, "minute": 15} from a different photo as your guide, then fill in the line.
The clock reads {"hour": 9, "minute": 0}
